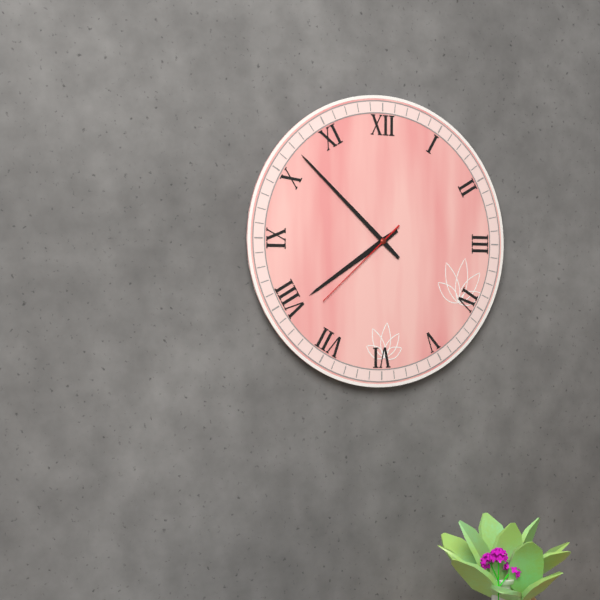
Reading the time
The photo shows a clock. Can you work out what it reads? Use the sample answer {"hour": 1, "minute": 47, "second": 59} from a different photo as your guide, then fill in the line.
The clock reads {"hour": 7, "minute": 52, "second": 38}
